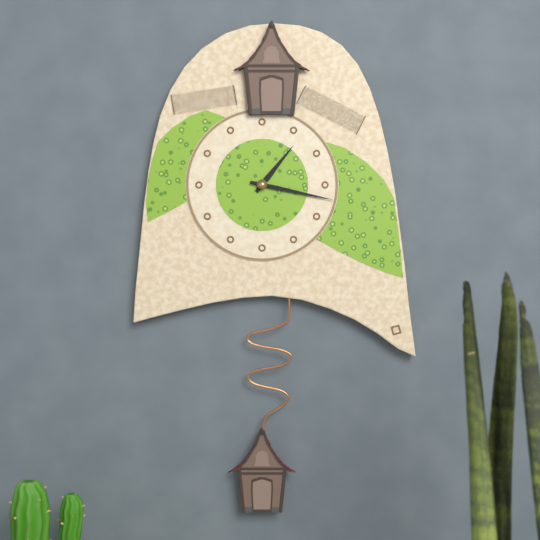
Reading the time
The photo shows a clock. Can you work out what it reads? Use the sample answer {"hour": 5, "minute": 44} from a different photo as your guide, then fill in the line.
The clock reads {"hour": 1, "minute": 17}
